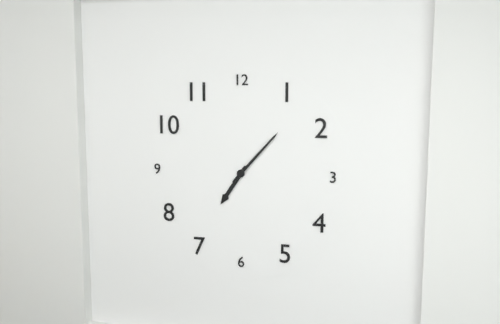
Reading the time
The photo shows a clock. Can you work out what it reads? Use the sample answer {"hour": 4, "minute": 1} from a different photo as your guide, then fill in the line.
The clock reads {"hour": 7, "minute": 7}
